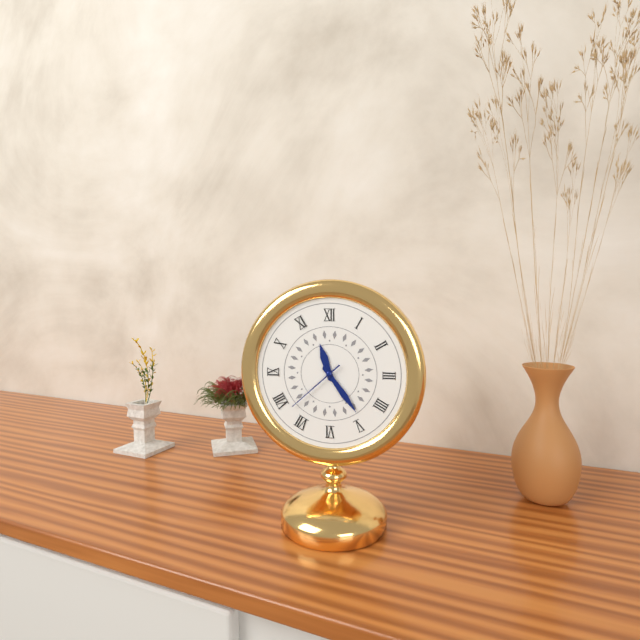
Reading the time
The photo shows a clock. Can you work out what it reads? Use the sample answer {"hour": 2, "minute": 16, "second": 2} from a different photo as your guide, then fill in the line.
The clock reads {"hour": 11, "minute": 24, "second": 38}
